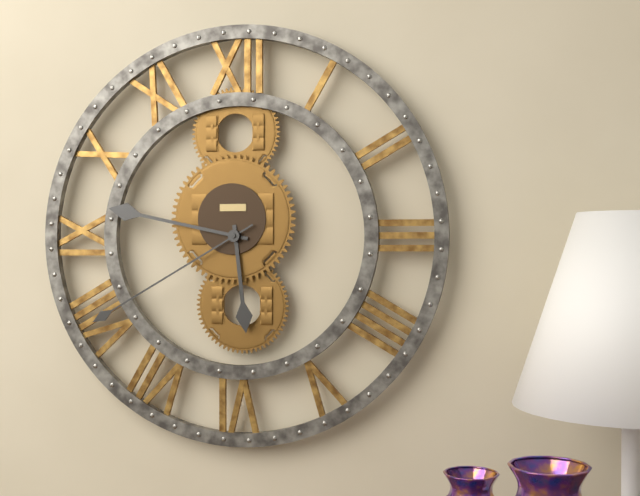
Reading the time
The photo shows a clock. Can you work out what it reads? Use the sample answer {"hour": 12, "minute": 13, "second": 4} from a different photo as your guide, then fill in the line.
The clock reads {"hour": 5, "minute": 47, "second": 40}
